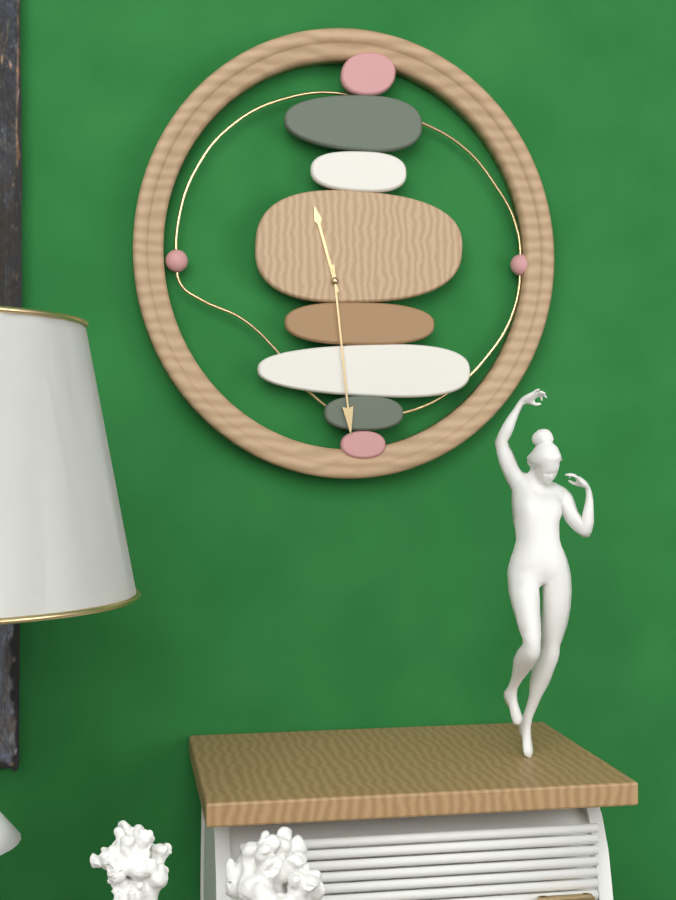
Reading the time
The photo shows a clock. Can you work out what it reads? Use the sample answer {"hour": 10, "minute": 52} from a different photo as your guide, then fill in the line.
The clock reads {"hour": 11, "minute": 29}
